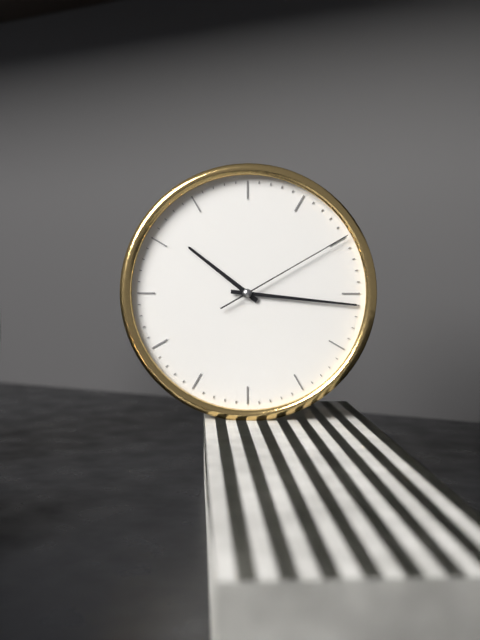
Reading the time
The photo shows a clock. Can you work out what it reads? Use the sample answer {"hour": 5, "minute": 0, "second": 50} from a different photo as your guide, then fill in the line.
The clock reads {"hour": 10, "minute": 16, "second": 10}
